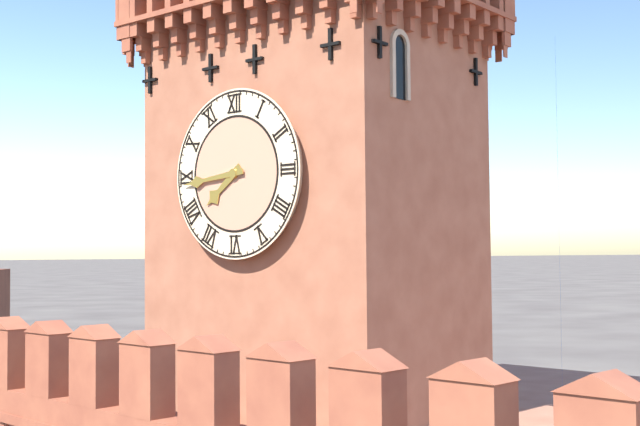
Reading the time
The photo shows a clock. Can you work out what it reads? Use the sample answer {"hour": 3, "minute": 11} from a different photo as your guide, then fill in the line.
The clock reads {"hour": 7, "minute": 44}
